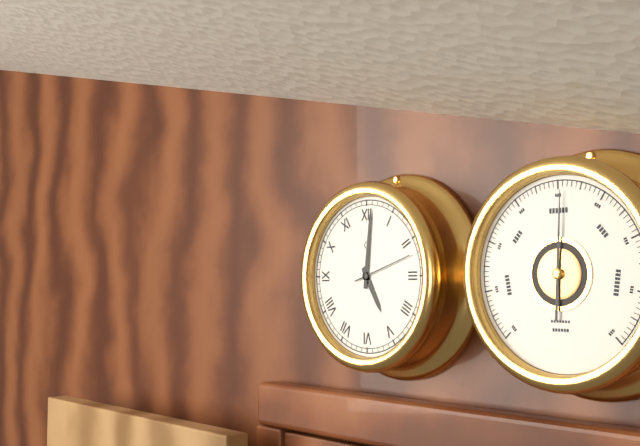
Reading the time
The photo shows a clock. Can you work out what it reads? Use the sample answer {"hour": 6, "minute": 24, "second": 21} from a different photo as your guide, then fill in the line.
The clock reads {"hour": 5, "minute": 1, "second": 12}
